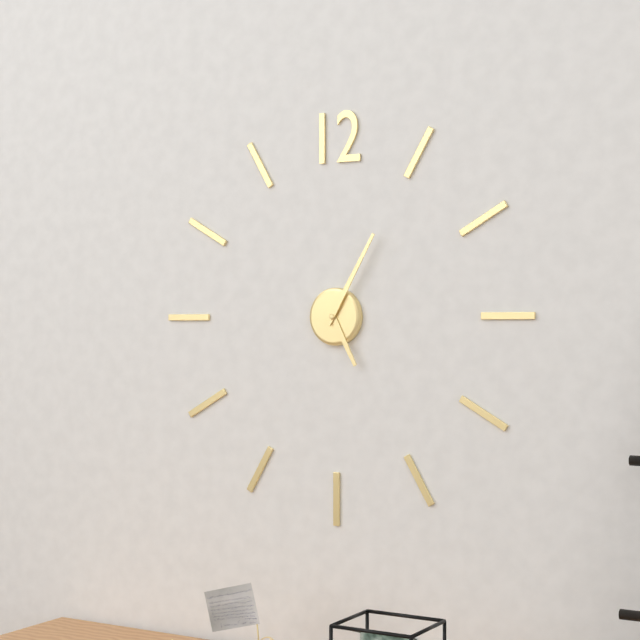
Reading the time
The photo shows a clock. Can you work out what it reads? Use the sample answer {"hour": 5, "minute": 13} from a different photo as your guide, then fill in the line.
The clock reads {"hour": 5, "minute": 5}
